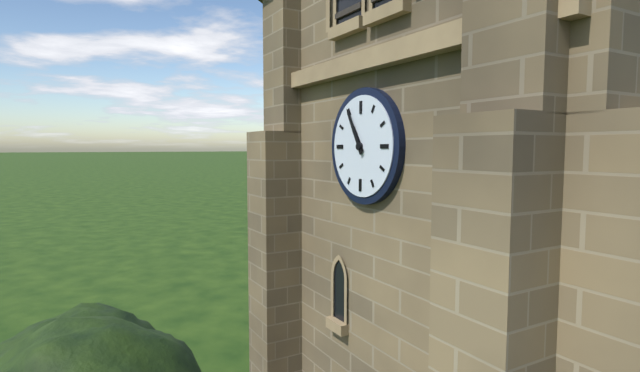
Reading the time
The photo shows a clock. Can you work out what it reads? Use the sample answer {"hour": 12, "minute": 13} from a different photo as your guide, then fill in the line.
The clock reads {"hour": 10, "minute": 55}
